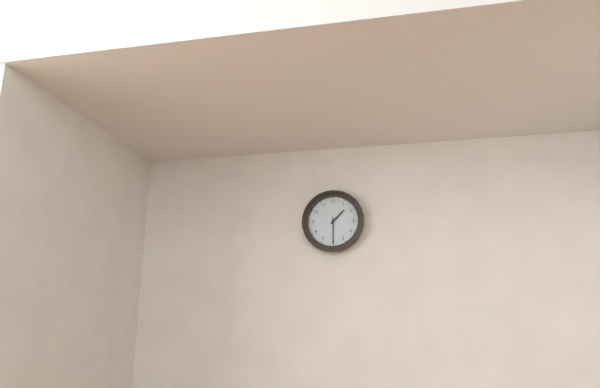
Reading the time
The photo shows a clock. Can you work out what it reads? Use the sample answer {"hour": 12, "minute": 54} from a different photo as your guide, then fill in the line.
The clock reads {"hour": 1, "minute": 30}
